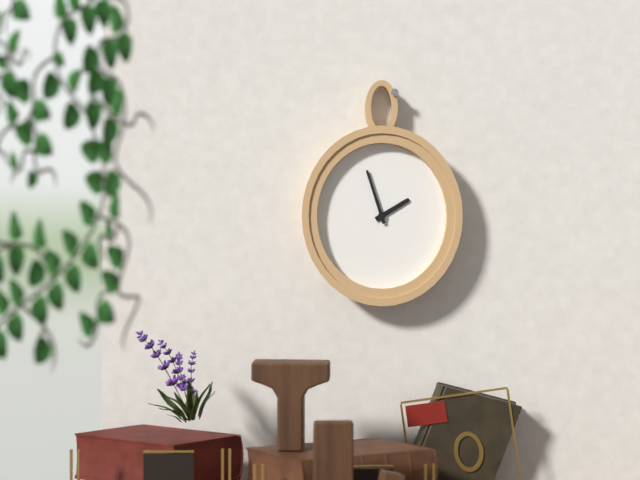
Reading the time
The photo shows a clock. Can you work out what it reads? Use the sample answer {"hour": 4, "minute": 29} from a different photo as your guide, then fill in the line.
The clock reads {"hour": 1, "minute": 57}
